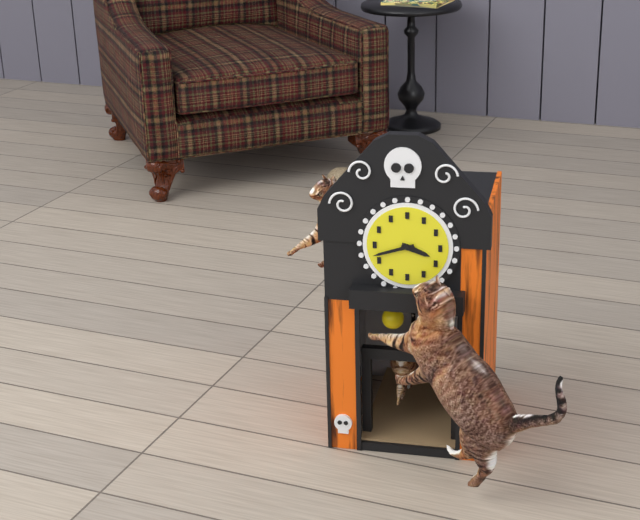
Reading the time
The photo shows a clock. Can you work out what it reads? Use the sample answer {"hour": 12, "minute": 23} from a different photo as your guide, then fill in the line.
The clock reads {"hour": 3, "minute": 42}
